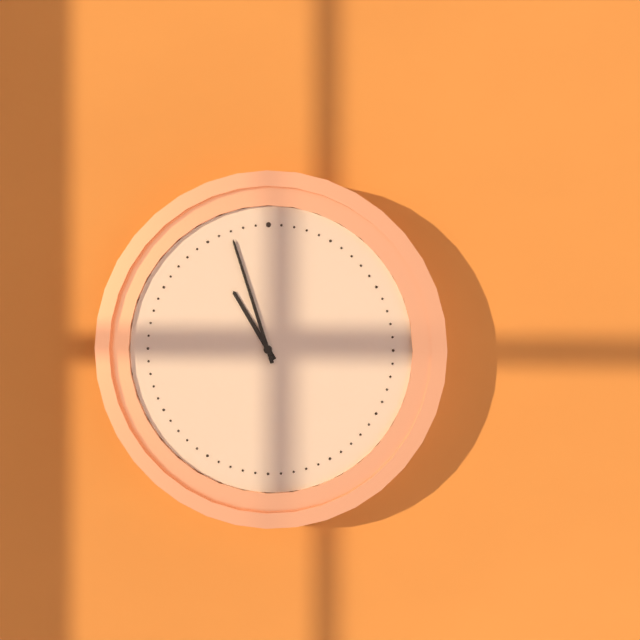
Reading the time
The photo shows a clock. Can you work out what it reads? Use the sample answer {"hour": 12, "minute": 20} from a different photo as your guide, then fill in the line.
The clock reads {"hour": 10, "minute": 57}
